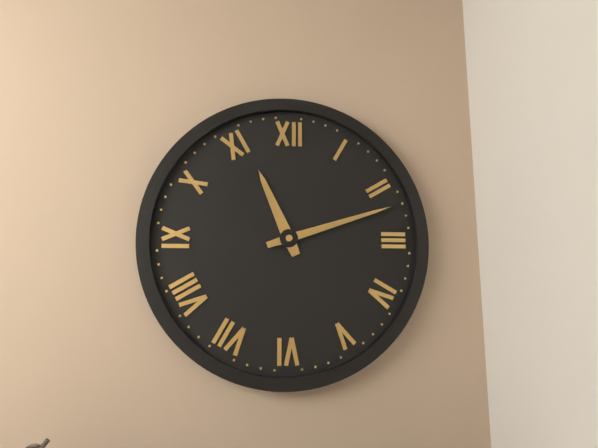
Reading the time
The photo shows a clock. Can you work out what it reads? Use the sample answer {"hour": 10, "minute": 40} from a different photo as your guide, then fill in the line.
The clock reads {"hour": 11, "minute": 12}
